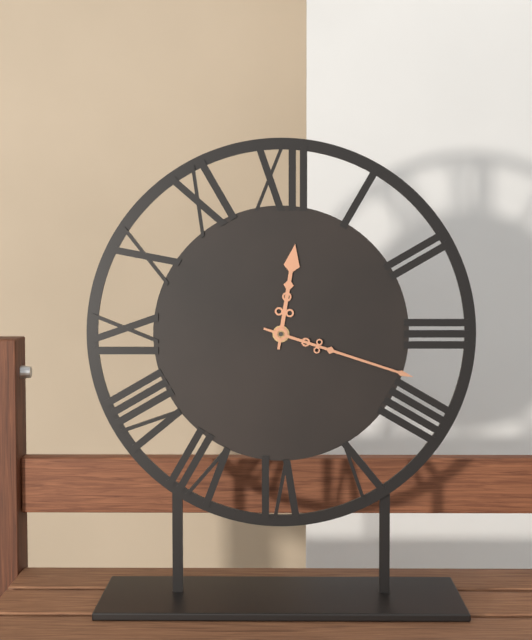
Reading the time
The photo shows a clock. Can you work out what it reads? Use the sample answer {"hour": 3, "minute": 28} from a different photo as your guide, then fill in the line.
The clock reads {"hour": 12, "minute": 18}
